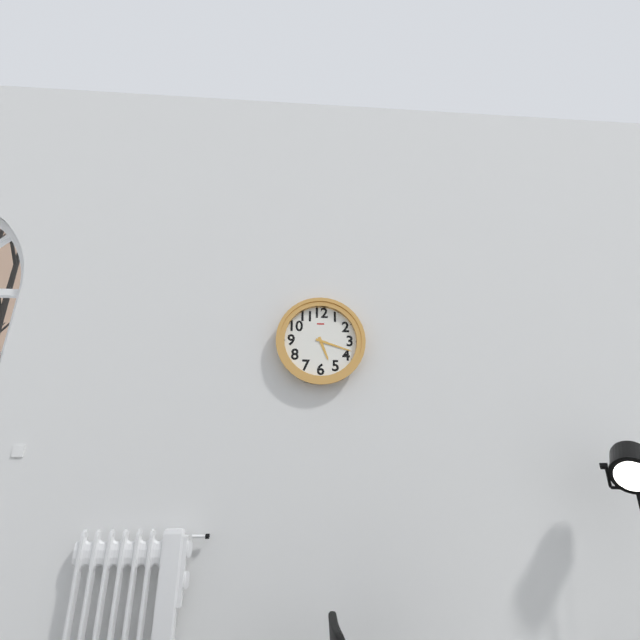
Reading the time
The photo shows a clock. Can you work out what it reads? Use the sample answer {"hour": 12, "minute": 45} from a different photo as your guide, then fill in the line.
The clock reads {"hour": 5, "minute": 18}
